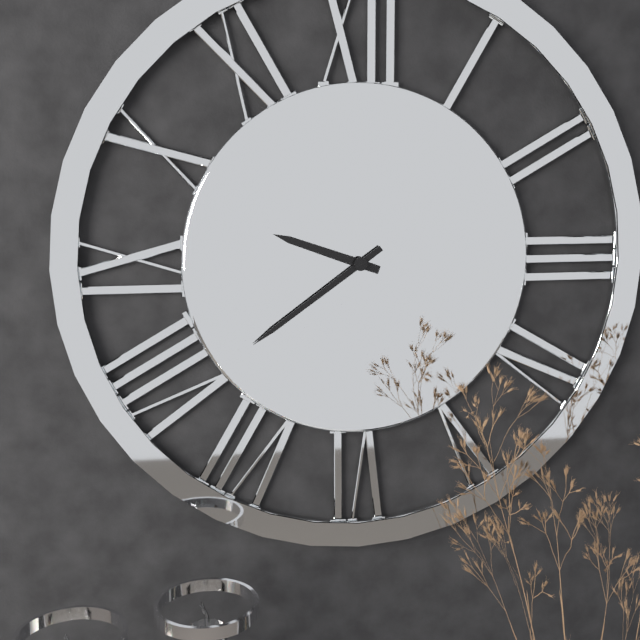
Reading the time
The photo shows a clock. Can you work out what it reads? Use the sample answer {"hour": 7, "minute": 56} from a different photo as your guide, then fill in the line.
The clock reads {"hour": 9, "minute": 39}
